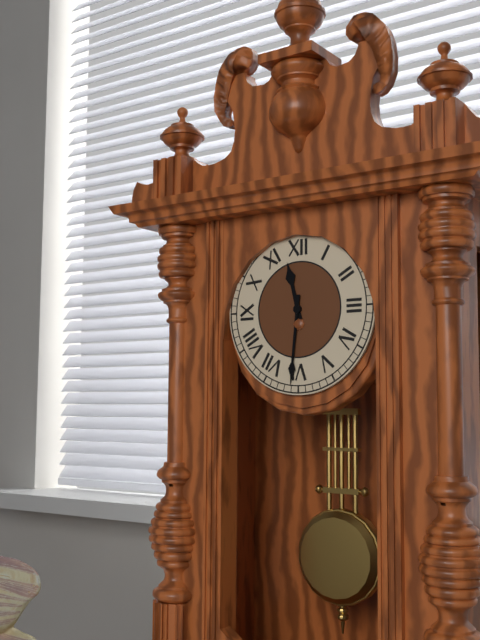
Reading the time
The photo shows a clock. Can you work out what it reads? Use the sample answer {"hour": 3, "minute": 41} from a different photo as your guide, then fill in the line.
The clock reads {"hour": 11, "minute": 31}
